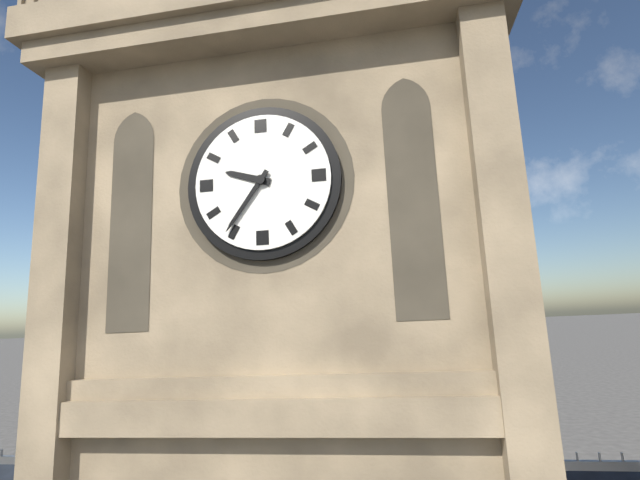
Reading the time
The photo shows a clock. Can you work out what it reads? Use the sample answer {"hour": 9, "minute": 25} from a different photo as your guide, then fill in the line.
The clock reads {"hour": 9, "minute": 36}
